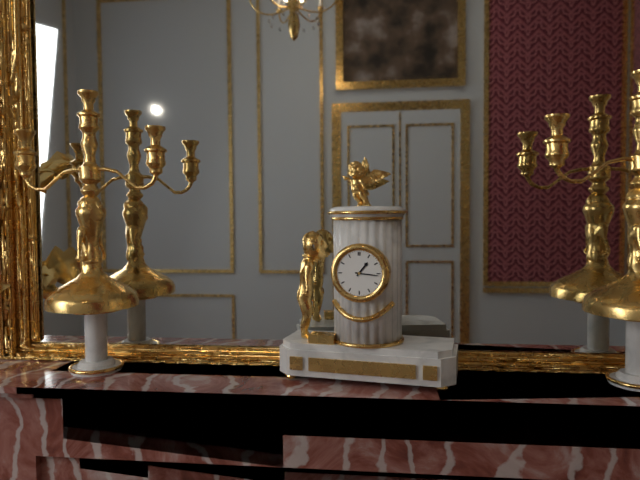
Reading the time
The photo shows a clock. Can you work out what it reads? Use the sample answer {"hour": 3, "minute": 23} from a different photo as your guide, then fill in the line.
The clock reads {"hour": 1, "minute": 16}
